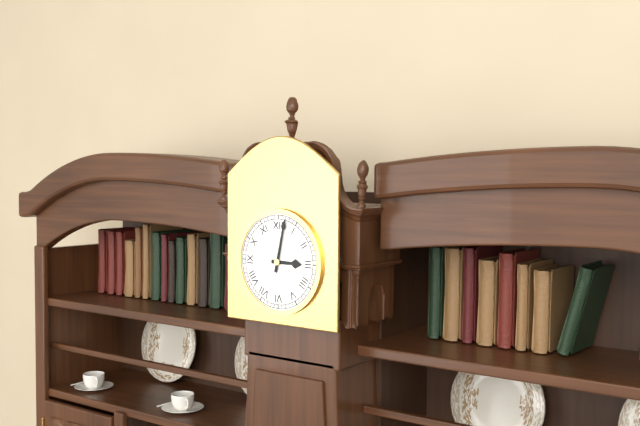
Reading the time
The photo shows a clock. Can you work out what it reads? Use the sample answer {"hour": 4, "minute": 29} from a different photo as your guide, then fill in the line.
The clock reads {"hour": 3, "minute": 2}
